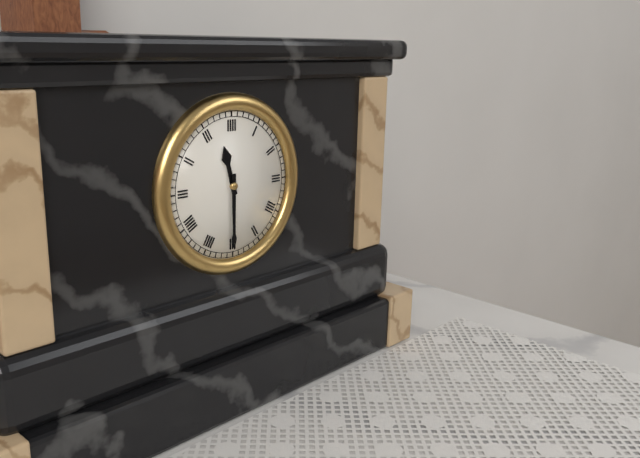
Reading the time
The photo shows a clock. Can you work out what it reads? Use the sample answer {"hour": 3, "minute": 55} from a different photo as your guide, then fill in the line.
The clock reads {"hour": 11, "minute": 30}
